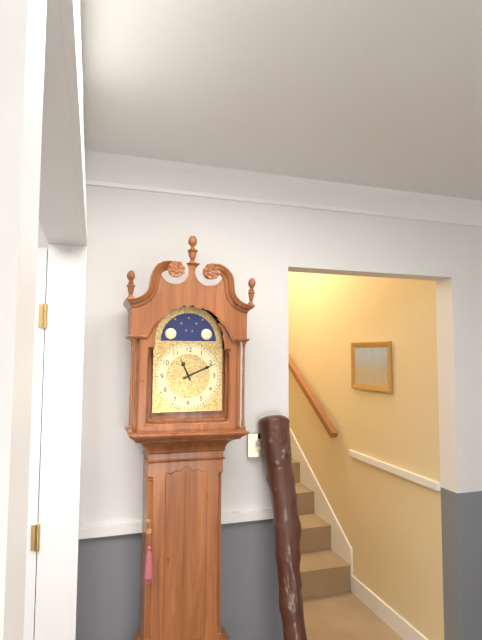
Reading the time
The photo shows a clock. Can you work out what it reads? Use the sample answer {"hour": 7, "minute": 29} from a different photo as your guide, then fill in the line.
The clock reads {"hour": 11, "minute": 11}
